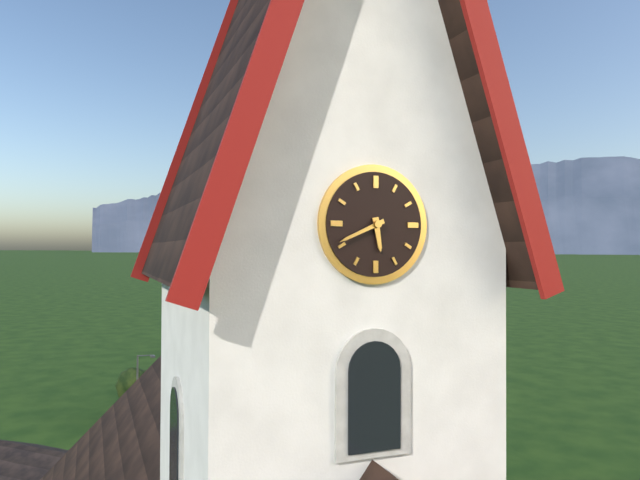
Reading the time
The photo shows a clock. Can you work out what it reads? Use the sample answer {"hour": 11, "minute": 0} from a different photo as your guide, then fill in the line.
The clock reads {"hour": 5, "minute": 41}
